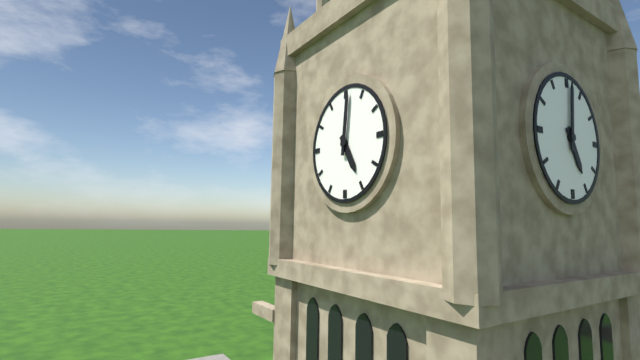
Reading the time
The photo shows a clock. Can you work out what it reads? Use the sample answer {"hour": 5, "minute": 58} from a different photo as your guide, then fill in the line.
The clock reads {"hour": 5, "minute": 1}
